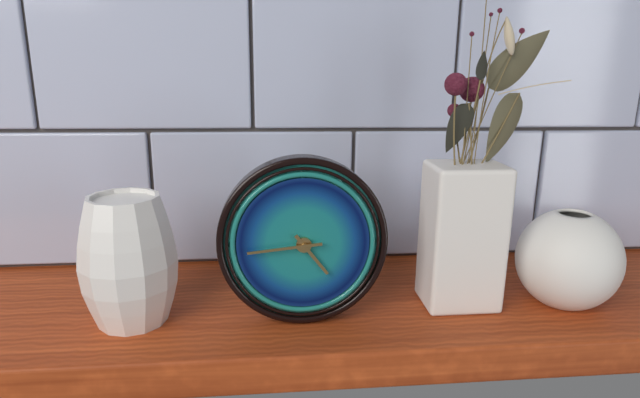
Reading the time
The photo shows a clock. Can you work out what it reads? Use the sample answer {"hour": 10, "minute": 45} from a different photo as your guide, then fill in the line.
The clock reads {"hour": 4, "minute": 44}
